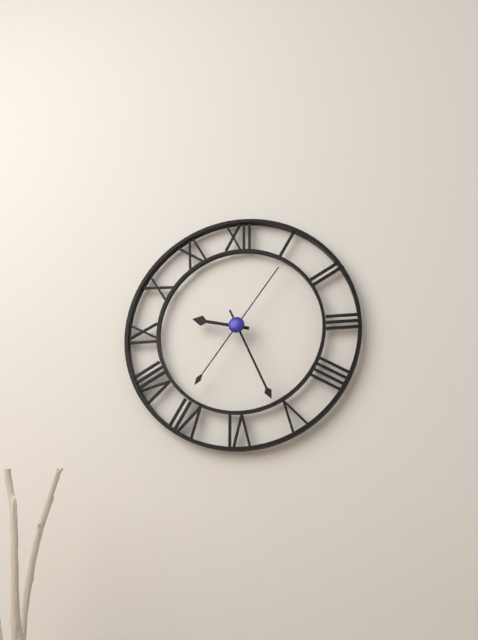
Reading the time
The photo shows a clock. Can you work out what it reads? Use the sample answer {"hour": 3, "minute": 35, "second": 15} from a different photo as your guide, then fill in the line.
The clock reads {"hour": 9, "minute": 26, "second": 6}
